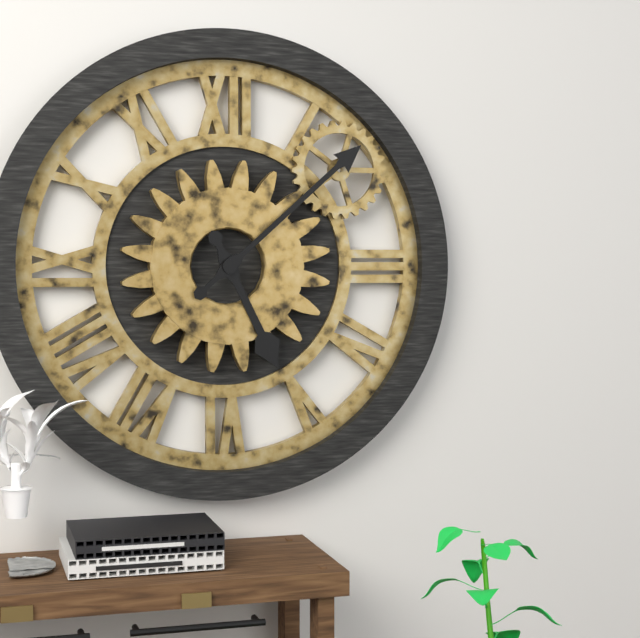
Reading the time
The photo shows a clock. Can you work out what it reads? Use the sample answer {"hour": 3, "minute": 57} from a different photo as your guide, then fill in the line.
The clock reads {"hour": 5, "minute": 8}
